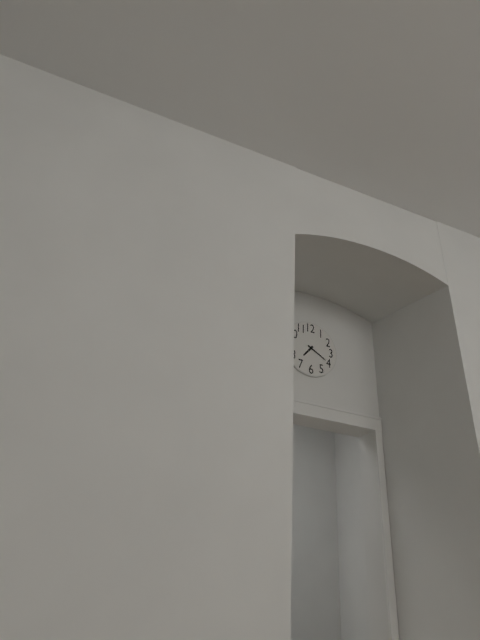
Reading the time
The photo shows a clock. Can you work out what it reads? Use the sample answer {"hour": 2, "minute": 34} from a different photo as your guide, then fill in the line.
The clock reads {"hour": 7, "minute": 20}
